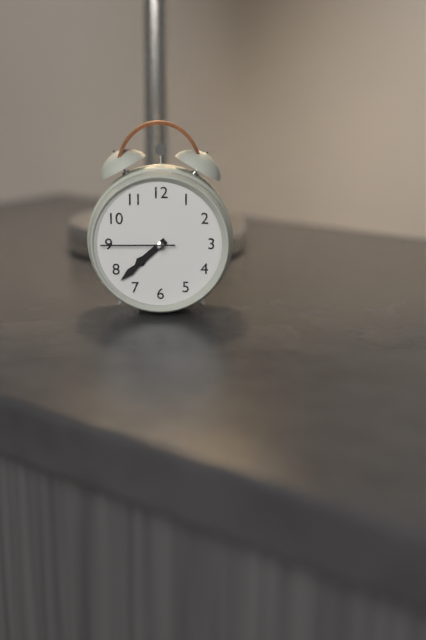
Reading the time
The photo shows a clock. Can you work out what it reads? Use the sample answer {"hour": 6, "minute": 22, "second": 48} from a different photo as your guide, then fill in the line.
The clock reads {"hour": 7, "minute": 38, "second": 45}
